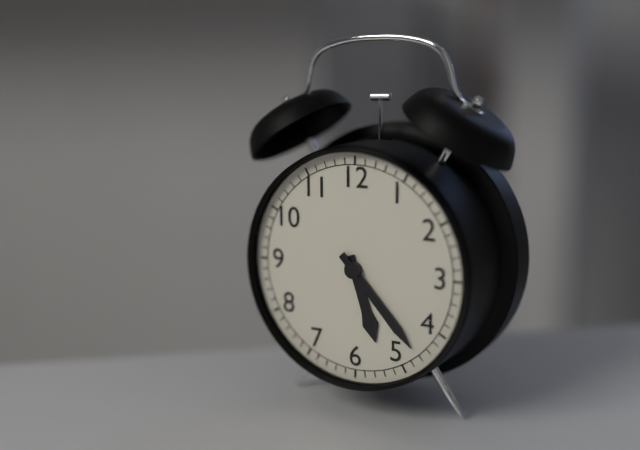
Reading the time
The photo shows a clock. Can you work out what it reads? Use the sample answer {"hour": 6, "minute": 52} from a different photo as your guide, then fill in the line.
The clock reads {"hour": 5, "minute": 23}
